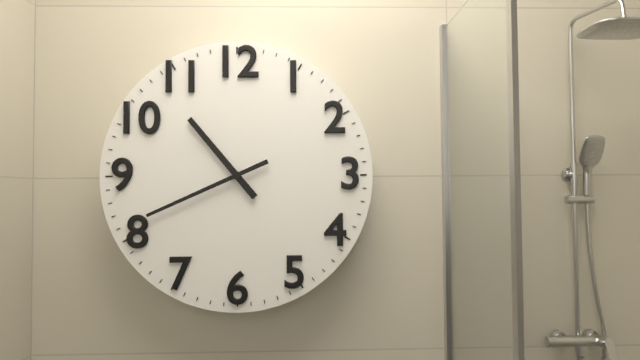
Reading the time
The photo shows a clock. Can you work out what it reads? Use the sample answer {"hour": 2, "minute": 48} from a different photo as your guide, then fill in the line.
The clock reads {"hour": 10, "minute": 41}
